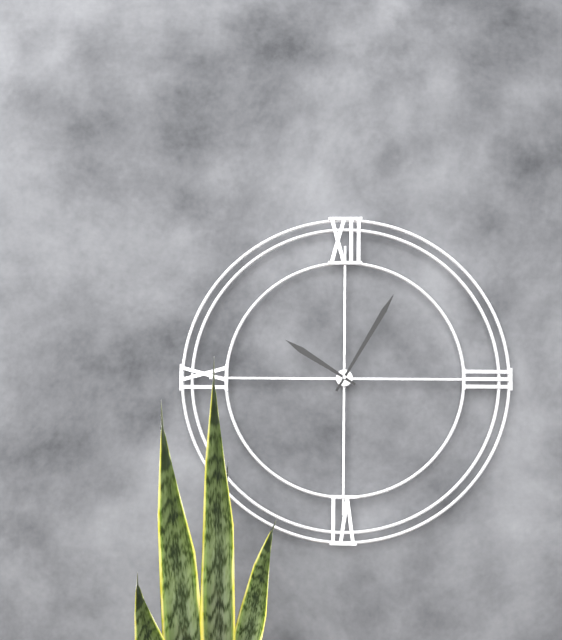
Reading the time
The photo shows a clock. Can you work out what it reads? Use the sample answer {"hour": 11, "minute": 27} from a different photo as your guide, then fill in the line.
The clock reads {"hour": 10, "minute": 5}
